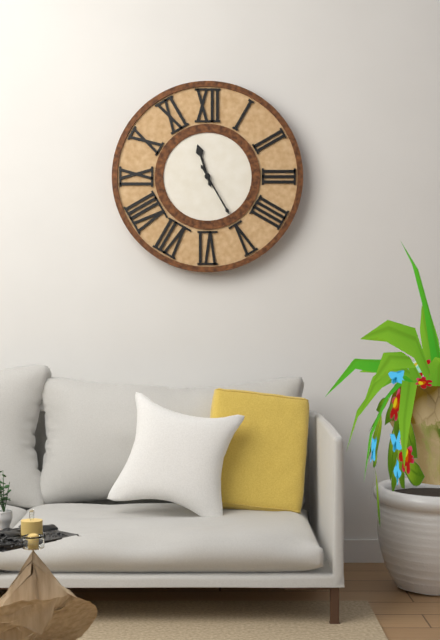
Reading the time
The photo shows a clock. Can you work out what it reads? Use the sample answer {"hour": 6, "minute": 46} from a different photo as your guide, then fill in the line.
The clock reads {"hour": 11, "minute": 25}
